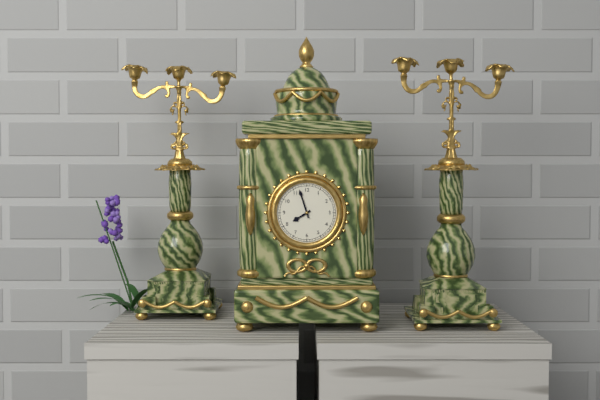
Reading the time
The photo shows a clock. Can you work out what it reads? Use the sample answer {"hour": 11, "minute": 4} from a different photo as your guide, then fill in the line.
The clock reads {"hour": 7, "minute": 57}
